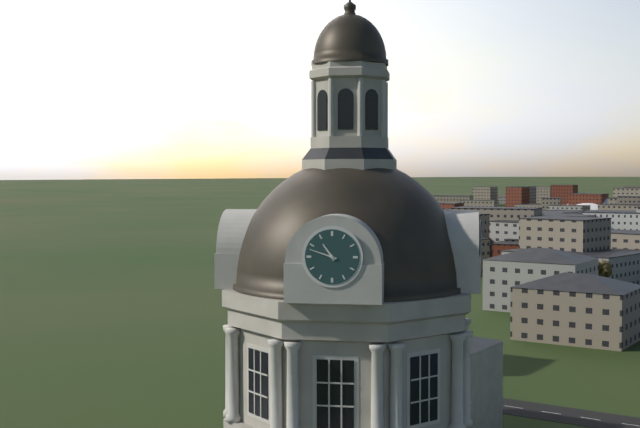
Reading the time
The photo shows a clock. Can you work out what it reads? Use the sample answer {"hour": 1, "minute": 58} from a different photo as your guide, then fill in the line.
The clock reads {"hour": 10, "minute": 48}
